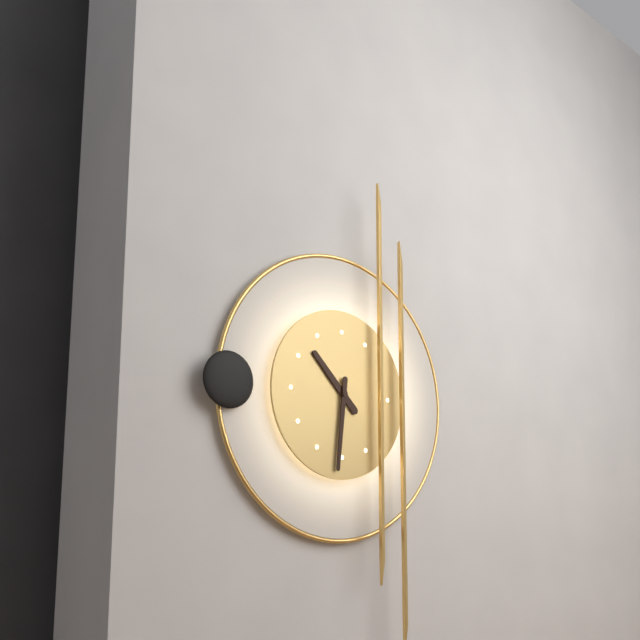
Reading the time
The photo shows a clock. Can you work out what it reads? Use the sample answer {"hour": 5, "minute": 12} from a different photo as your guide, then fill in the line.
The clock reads {"hour": 10, "minute": 31}
